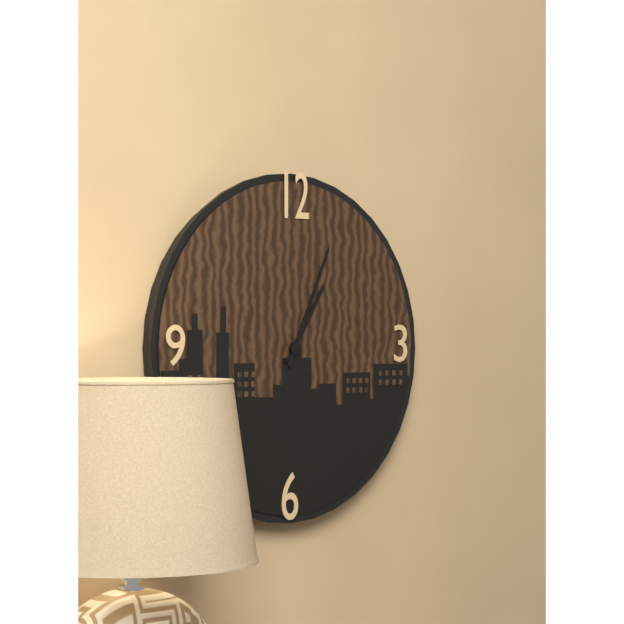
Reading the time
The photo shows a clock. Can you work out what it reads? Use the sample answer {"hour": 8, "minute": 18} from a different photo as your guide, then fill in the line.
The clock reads {"hour": 1, "minute": 4}
